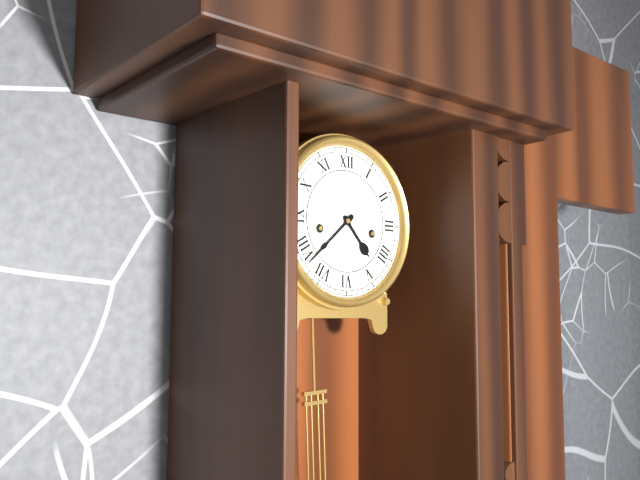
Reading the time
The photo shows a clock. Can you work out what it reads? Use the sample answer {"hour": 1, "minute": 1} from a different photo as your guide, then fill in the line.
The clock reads {"hour": 4, "minute": 38}
